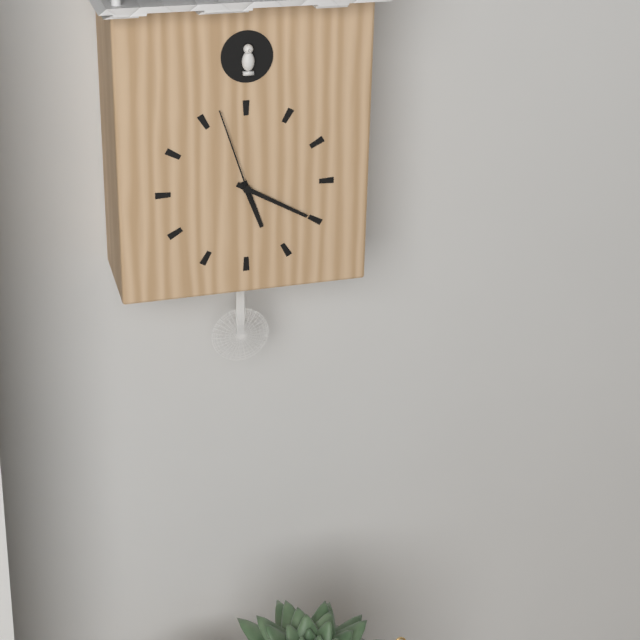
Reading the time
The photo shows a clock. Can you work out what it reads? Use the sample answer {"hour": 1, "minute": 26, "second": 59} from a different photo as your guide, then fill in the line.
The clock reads {"hour": 5, "minute": 20, "second": 57}
